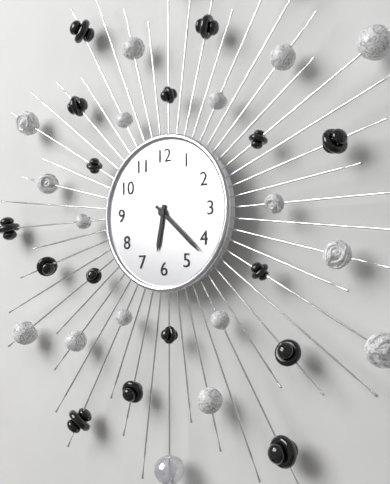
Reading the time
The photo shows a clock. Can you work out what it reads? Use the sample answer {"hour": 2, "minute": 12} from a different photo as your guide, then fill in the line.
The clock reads {"hour": 6, "minute": 22}
